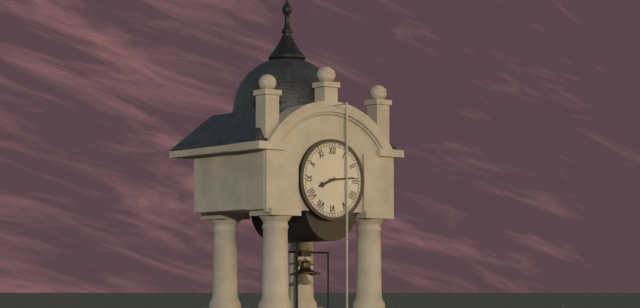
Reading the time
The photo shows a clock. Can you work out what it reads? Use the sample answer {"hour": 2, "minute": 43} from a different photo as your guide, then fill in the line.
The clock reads {"hour": 8, "minute": 14}
